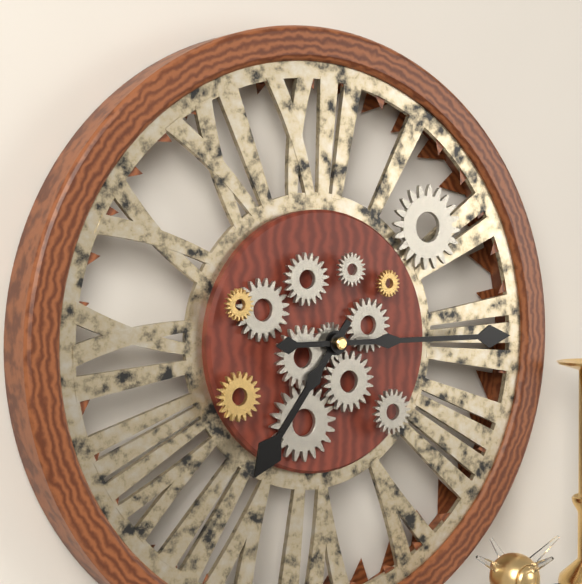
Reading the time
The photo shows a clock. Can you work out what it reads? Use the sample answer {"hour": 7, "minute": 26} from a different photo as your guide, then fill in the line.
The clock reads {"hour": 7, "minute": 15}
